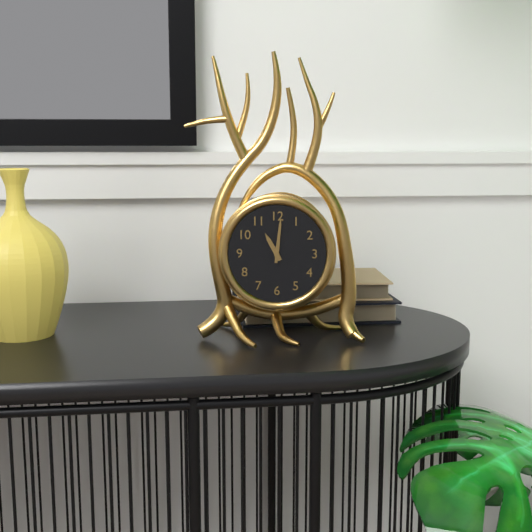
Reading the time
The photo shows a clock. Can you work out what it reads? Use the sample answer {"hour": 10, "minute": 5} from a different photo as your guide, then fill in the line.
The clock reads {"hour": 11, "minute": 1}
